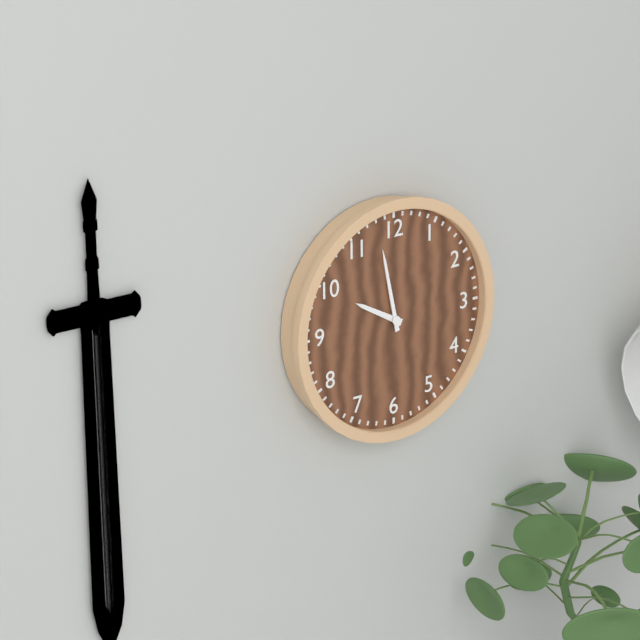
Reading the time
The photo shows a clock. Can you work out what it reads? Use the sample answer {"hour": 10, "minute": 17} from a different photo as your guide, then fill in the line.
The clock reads {"hour": 9, "minute": 58}
